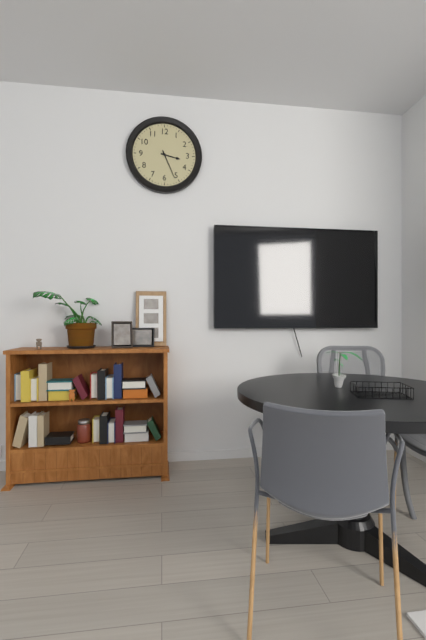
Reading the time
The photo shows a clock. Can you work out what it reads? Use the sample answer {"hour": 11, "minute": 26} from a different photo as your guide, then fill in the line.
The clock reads {"hour": 3, "minute": 26}
